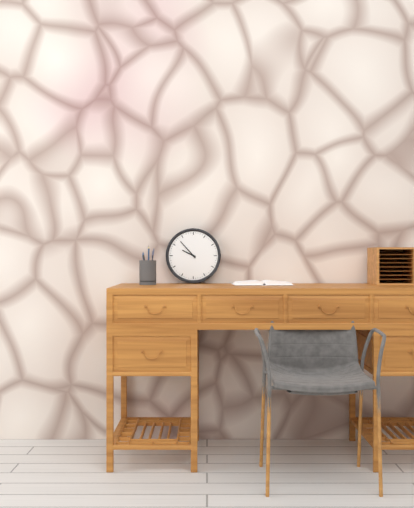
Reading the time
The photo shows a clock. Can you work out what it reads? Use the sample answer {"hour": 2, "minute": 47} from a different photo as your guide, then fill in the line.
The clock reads {"hour": 9, "minute": 53}
